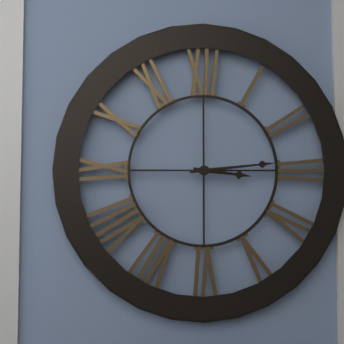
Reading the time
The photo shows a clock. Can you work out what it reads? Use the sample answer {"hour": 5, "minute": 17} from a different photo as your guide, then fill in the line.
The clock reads {"hour": 3, "minute": 14}
